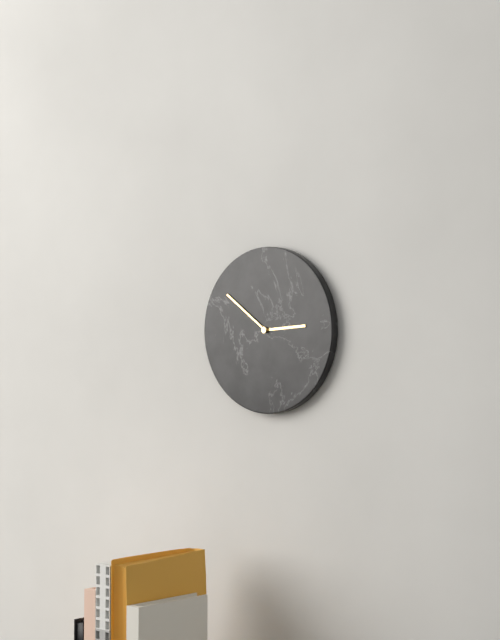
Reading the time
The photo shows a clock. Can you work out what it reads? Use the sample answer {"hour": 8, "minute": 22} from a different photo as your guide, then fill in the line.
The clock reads {"hour": 2, "minute": 51}
